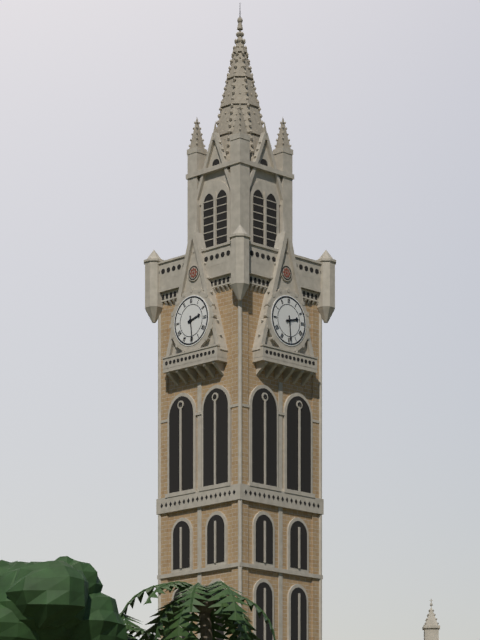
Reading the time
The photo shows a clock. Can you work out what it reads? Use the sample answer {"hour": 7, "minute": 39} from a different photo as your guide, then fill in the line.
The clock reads {"hour": 2, "minute": 29}
